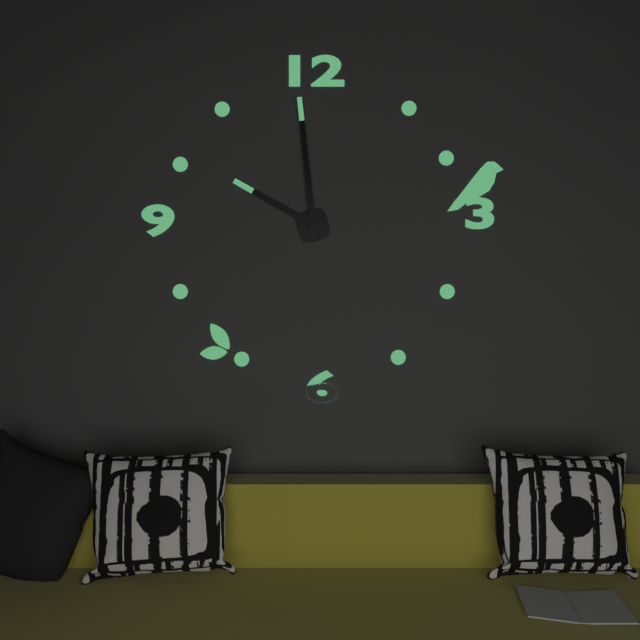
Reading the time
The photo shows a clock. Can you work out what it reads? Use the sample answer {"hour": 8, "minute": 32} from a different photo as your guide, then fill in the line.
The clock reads {"hour": 9, "minute": 59}
